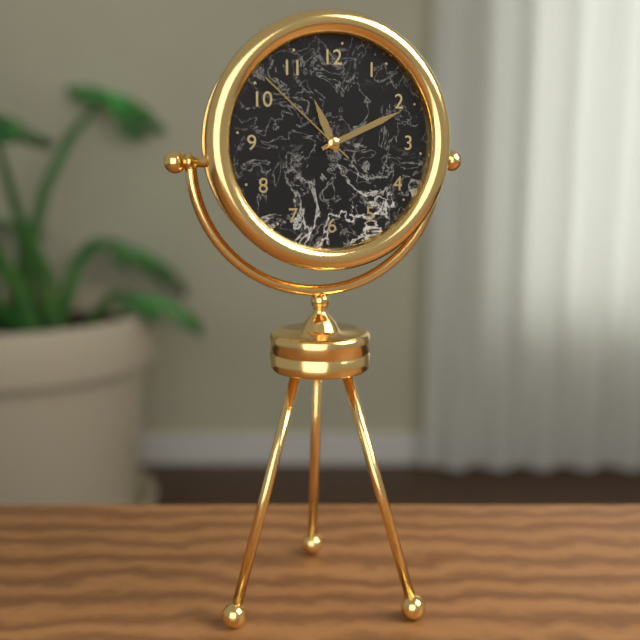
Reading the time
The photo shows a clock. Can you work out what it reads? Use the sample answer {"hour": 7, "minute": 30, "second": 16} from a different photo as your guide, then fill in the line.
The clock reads {"hour": 11, "minute": 11, "second": 52}
